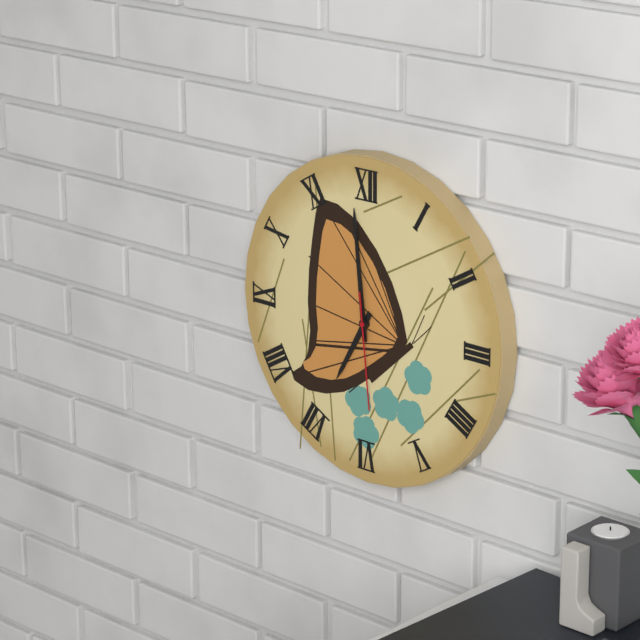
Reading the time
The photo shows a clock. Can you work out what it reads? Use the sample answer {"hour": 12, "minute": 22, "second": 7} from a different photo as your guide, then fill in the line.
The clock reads {"hour": 6, "minute": 59, "second": 29}
